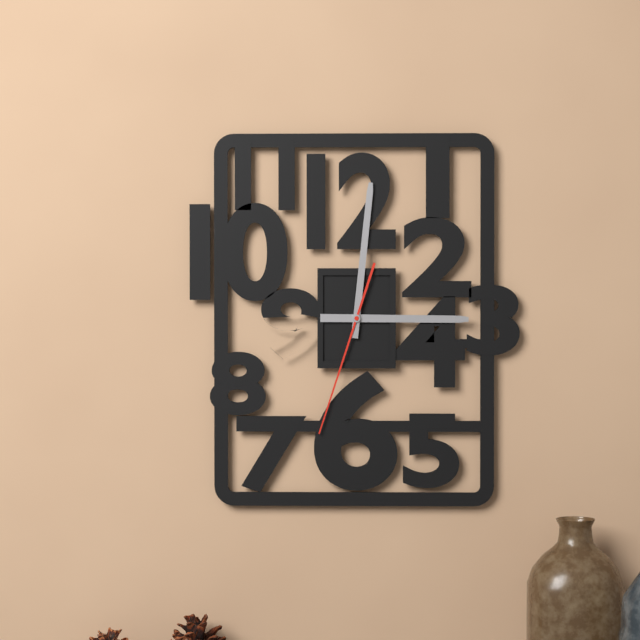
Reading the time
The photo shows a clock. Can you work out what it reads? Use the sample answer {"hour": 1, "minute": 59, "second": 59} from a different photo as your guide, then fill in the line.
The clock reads {"hour": 3, "minute": 1, "second": 33}
